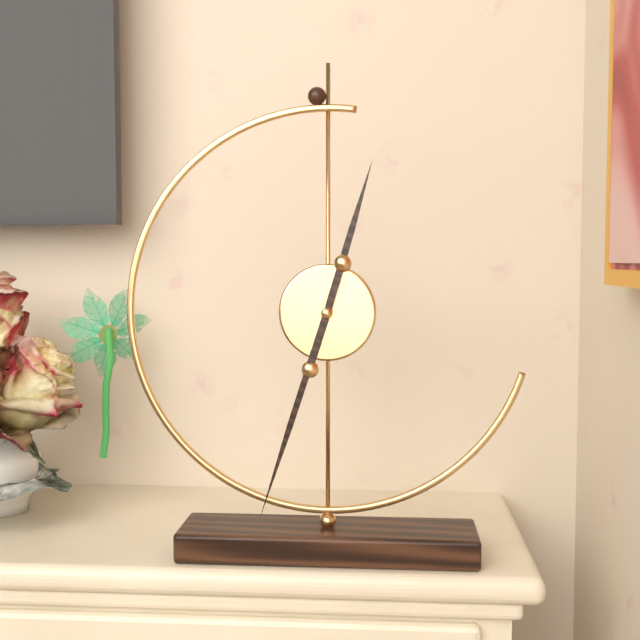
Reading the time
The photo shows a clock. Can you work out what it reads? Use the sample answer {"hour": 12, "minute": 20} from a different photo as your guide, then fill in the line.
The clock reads {"hour": 12, "minute": 33}
